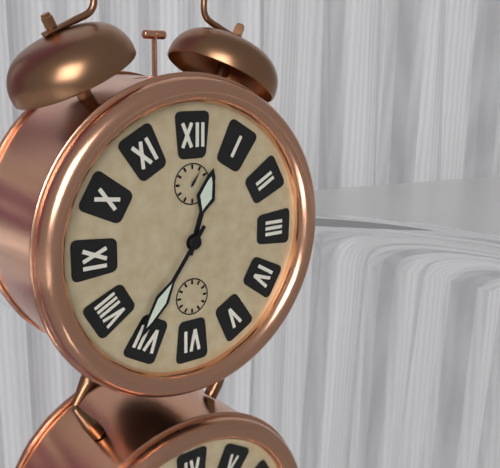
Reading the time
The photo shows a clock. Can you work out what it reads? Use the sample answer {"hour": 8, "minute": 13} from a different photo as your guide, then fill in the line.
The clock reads {"hour": 12, "minute": 36}
